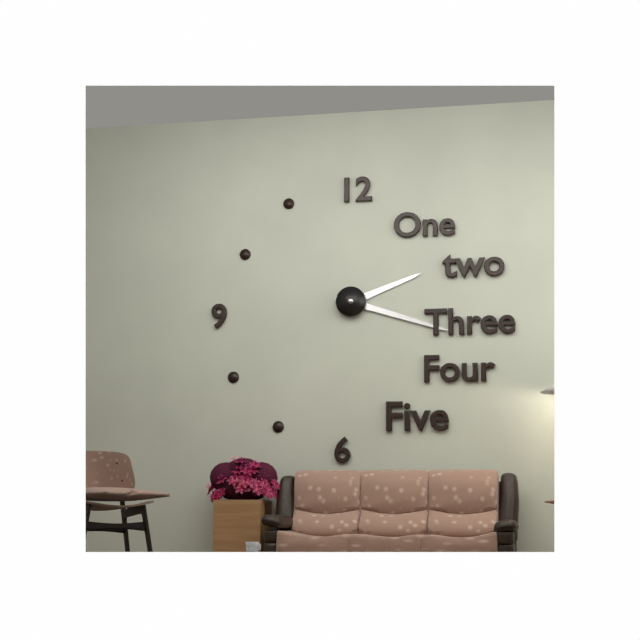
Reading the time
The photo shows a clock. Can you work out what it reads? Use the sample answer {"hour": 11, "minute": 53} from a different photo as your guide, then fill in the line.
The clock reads {"hour": 2, "minute": 18}
